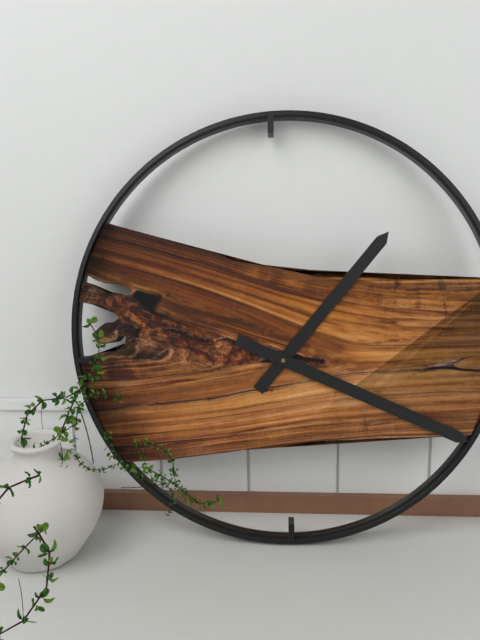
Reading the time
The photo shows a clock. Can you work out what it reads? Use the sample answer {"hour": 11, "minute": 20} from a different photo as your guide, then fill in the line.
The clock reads {"hour": 1, "minute": 19}
